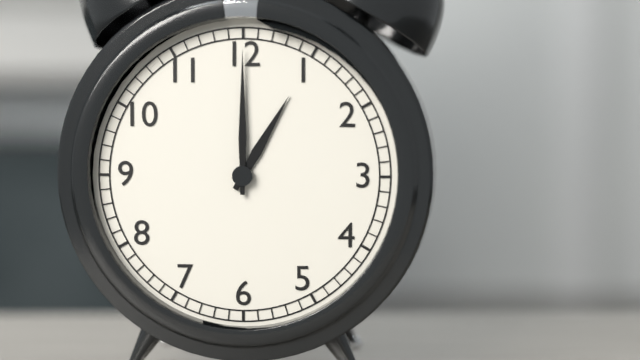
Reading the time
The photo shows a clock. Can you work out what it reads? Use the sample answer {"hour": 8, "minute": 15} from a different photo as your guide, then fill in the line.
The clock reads {"hour": 1, "minute": 0}
